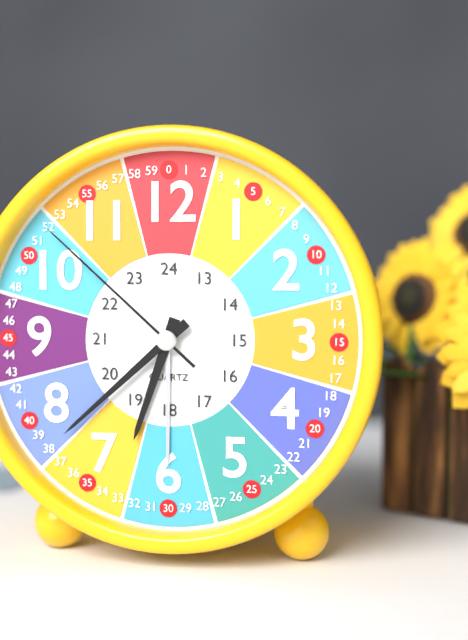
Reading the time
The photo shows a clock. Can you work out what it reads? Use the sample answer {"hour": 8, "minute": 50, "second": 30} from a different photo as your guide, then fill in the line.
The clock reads {"hour": 6, "minute": 38, "second": 52}
